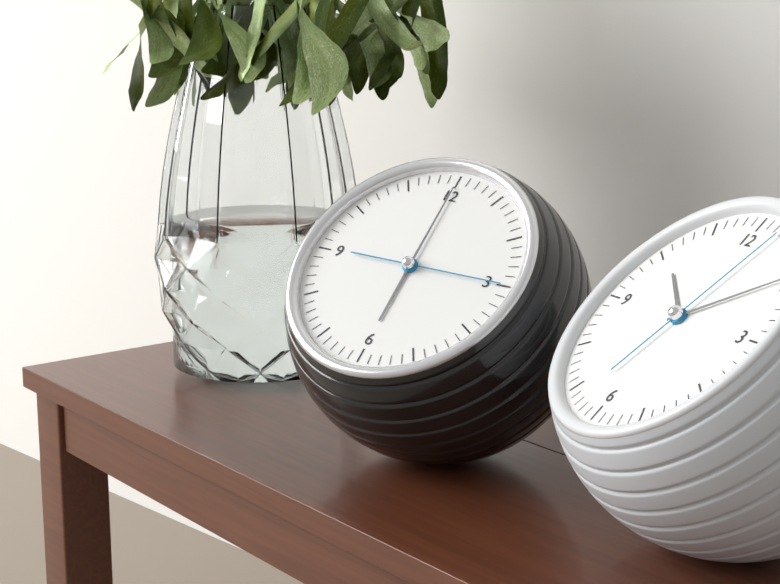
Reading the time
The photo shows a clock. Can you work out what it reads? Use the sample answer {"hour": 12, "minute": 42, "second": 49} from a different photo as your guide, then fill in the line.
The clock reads {"hour": 6, "minute": 0, "second": 15}
